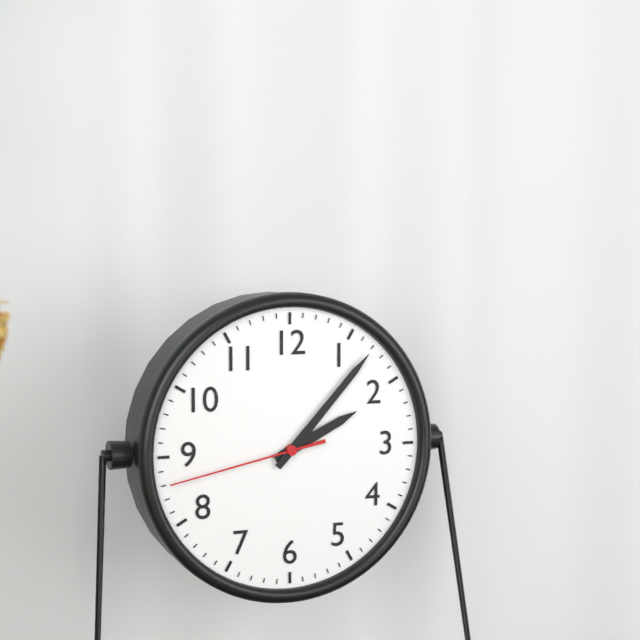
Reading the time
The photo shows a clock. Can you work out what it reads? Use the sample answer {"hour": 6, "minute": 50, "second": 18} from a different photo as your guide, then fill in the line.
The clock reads {"hour": 2, "minute": 7, "second": 43}
